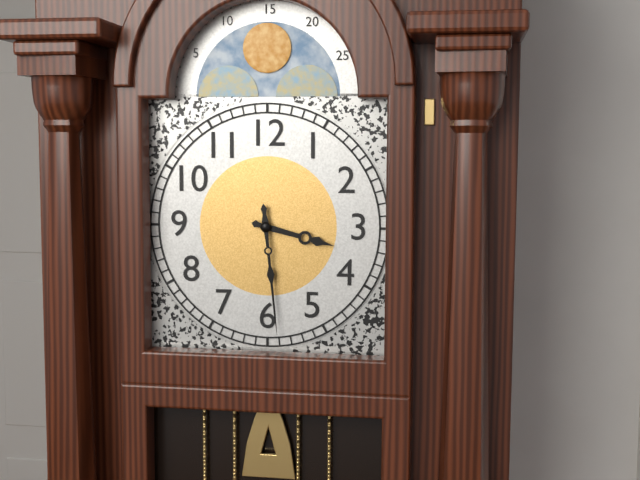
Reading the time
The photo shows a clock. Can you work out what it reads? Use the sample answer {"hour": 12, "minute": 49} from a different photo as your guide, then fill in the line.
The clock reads {"hour": 3, "minute": 29}
